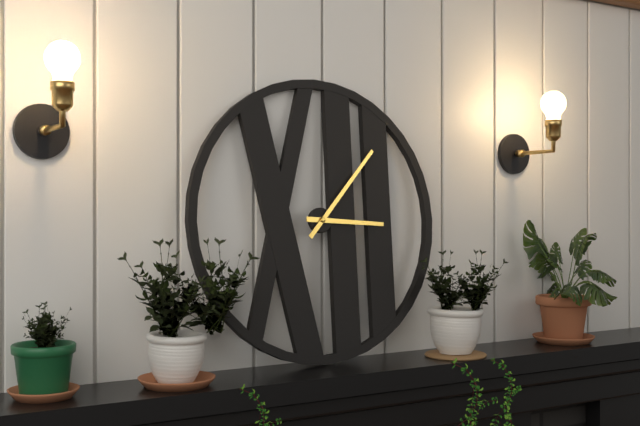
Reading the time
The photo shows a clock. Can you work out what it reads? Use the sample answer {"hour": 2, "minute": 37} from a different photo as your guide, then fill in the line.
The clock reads {"hour": 3, "minute": 7}
